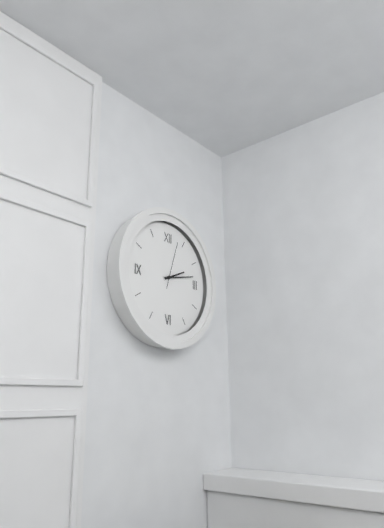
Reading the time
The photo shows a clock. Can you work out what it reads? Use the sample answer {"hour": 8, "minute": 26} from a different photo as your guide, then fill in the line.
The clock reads {"hour": 2, "minute": 13}
